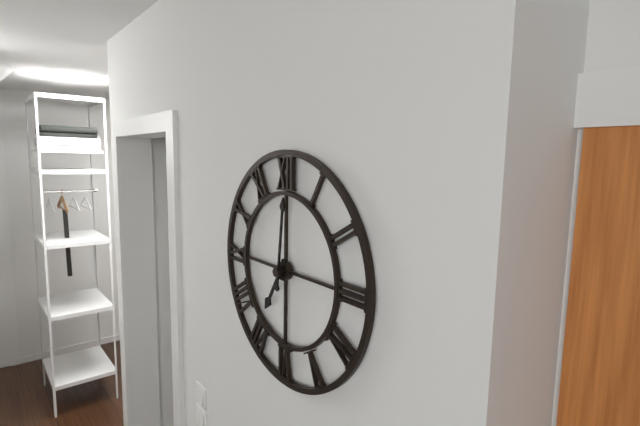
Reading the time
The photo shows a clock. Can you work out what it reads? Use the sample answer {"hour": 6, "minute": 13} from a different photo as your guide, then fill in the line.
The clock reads {"hour": 7, "minute": 1}
